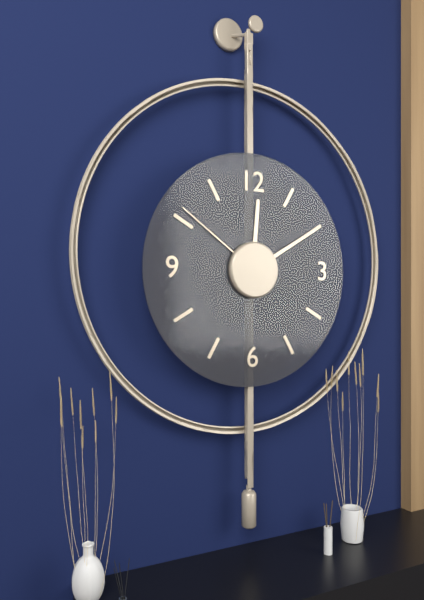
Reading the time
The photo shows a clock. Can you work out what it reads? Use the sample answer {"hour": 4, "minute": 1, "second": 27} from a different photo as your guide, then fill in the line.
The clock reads {"hour": 12, "minute": 10, "second": 51}
